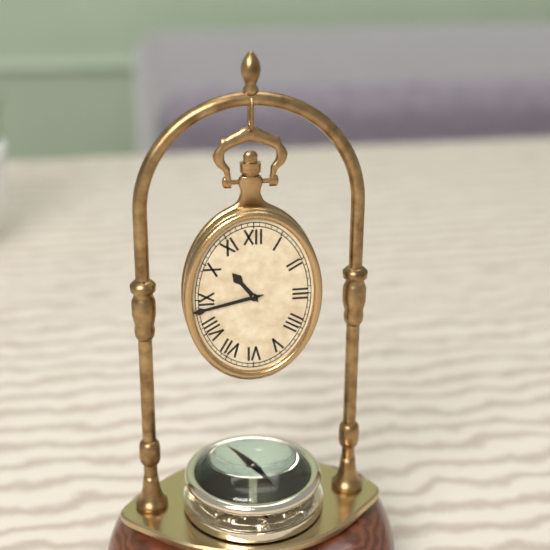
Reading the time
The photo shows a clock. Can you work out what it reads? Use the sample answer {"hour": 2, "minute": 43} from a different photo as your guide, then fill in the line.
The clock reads {"hour": 10, "minute": 43}
